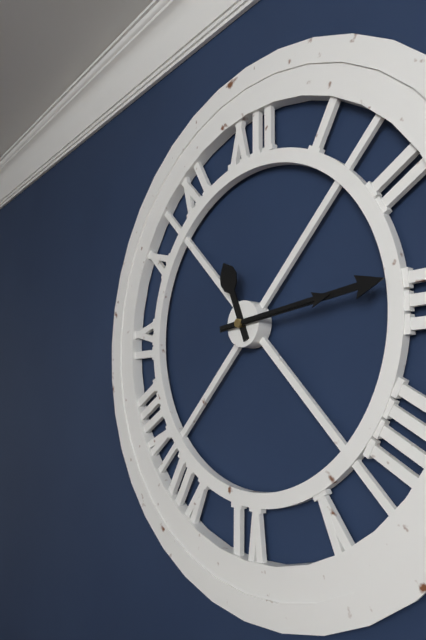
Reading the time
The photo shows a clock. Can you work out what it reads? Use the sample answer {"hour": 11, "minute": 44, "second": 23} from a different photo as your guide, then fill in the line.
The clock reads {"hour": 11, "minute": 14, "second": 14}
